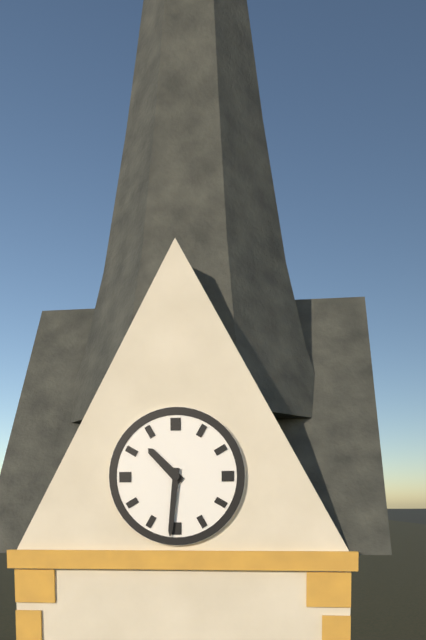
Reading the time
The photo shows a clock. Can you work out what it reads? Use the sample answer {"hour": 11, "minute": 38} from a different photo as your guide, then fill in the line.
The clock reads {"hour": 10, "minute": 31}
